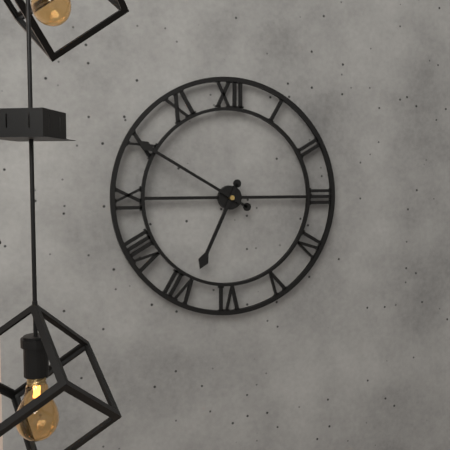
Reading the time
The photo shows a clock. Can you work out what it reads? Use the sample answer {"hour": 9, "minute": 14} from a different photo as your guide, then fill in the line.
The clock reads {"hour": 6, "minute": 50}
